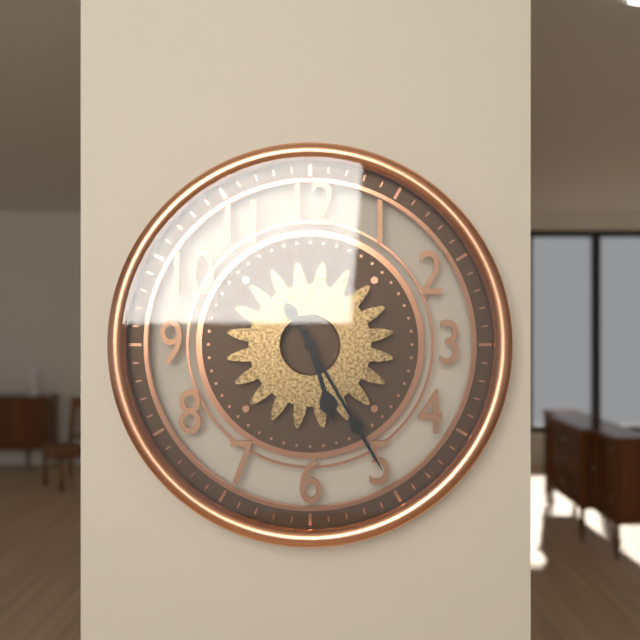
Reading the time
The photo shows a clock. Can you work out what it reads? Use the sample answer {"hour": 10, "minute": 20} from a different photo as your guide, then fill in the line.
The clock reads {"hour": 5, "minute": 25}
